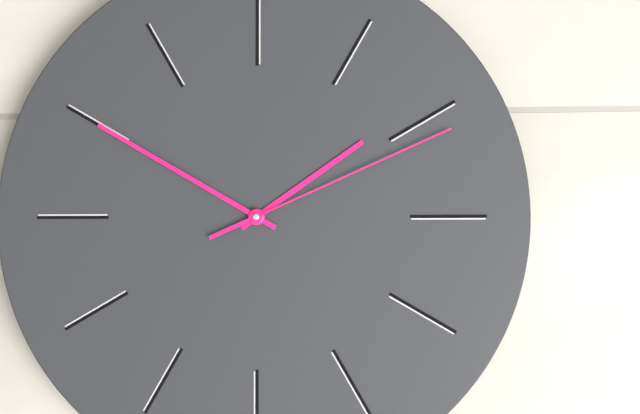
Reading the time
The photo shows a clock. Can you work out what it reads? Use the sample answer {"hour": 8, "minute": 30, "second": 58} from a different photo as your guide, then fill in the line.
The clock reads {"hour": 1, "minute": 50, "second": 11}
